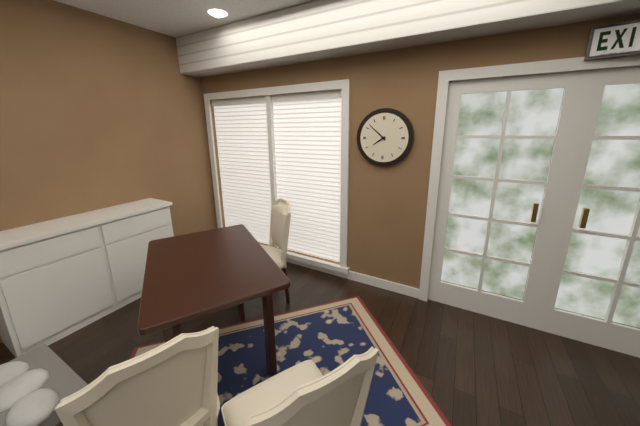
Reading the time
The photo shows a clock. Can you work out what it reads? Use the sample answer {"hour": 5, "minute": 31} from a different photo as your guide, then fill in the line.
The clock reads {"hour": 7, "minute": 52}
